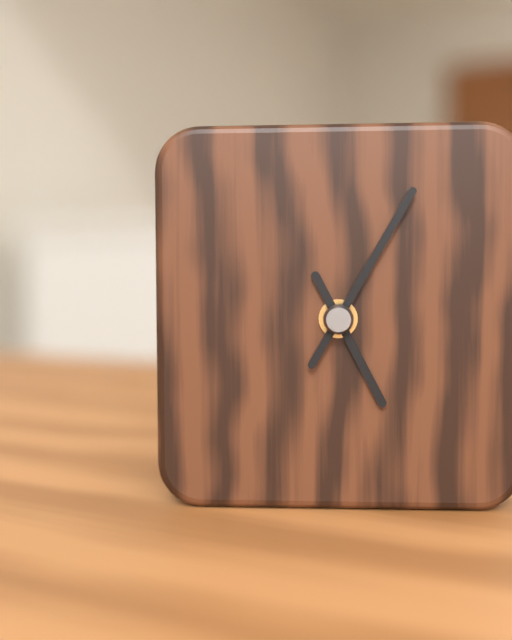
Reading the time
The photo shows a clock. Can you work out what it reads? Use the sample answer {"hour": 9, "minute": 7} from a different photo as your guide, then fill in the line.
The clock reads {"hour": 5, "minute": 5}
